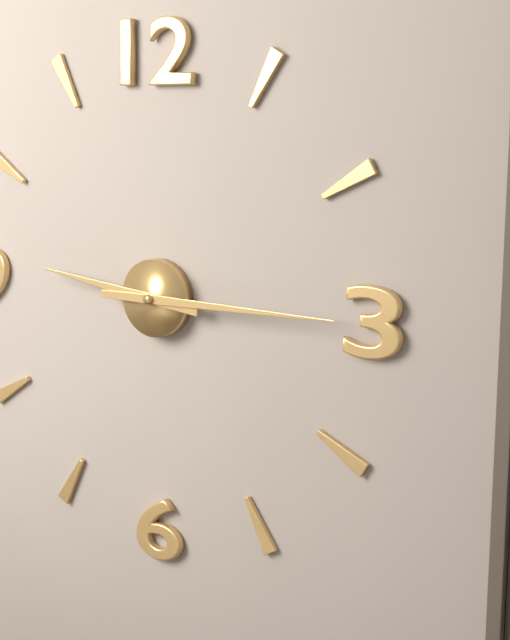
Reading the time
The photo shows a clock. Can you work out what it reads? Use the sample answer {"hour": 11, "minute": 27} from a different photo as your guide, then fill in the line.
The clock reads {"hour": 9, "minute": 15}
